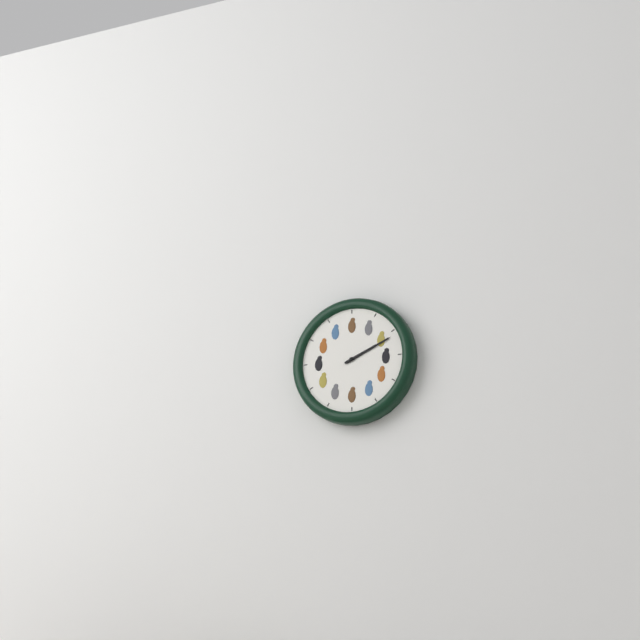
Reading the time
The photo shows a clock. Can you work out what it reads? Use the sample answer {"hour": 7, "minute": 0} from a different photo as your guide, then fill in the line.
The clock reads {"hour": 2, "minute": 11}
